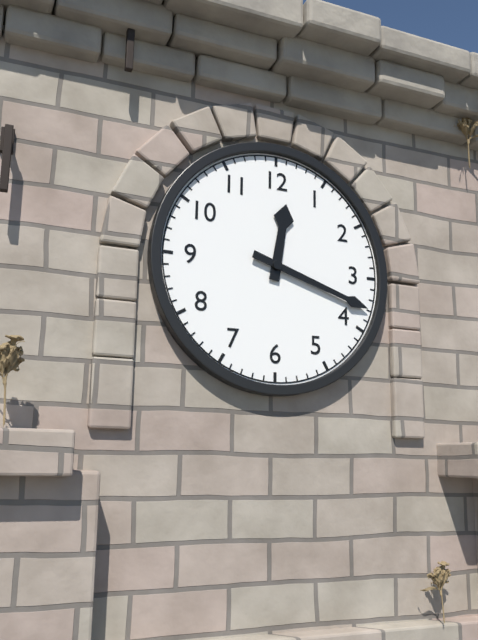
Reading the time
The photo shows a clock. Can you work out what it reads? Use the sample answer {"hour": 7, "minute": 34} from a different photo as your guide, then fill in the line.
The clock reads {"hour": 12, "minute": 18}
